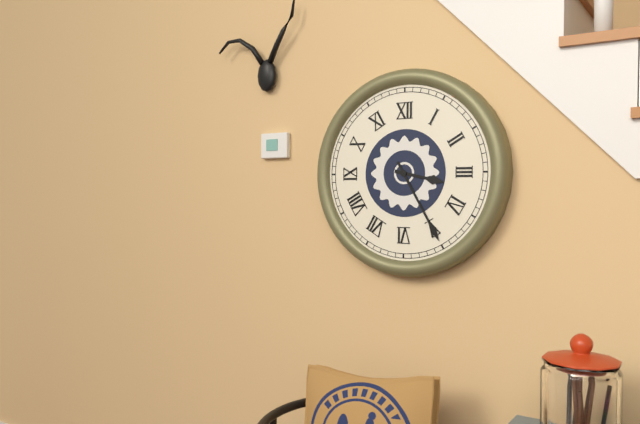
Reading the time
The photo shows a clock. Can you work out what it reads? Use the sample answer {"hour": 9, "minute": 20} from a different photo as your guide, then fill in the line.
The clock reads {"hour": 3, "minute": 25}
